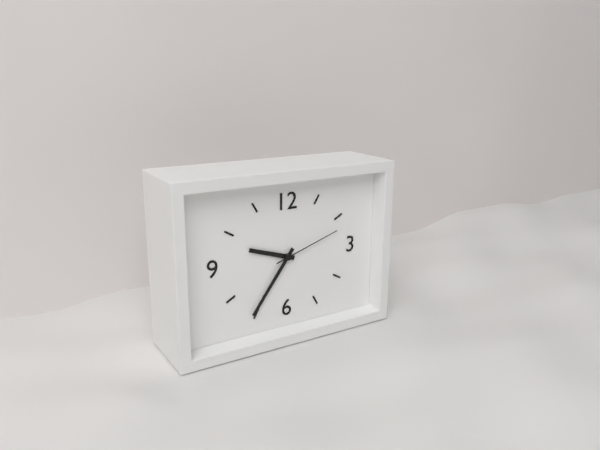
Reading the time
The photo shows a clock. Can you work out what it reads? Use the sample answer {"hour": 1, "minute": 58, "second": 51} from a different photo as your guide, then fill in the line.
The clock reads {"hour": 9, "minute": 36, "second": 12}
